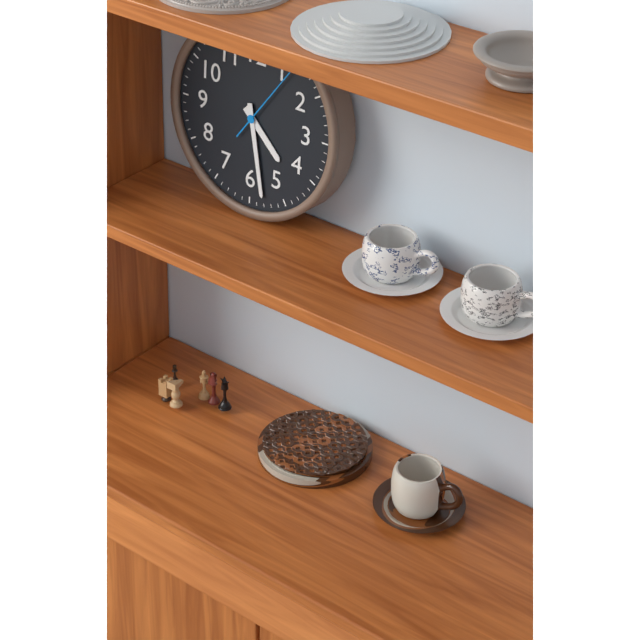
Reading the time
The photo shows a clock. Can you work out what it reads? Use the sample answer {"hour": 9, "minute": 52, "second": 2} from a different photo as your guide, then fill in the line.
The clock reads {"hour": 4, "minute": 28, "second": 6}
